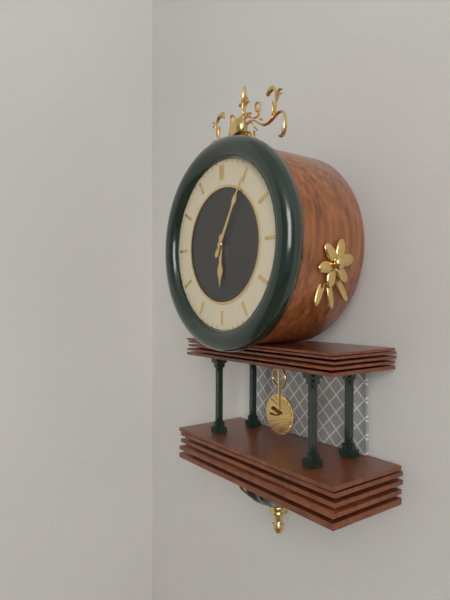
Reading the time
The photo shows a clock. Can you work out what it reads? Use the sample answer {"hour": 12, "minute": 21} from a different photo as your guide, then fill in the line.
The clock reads {"hour": 6, "minute": 5}
